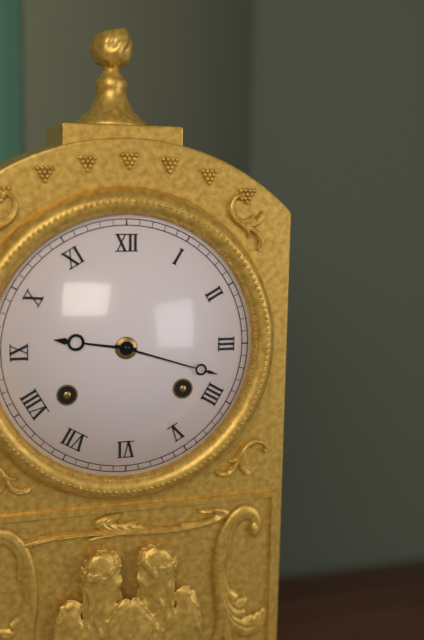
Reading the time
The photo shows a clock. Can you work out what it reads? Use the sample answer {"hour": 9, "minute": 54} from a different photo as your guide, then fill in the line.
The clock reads {"hour": 9, "minute": 18}
